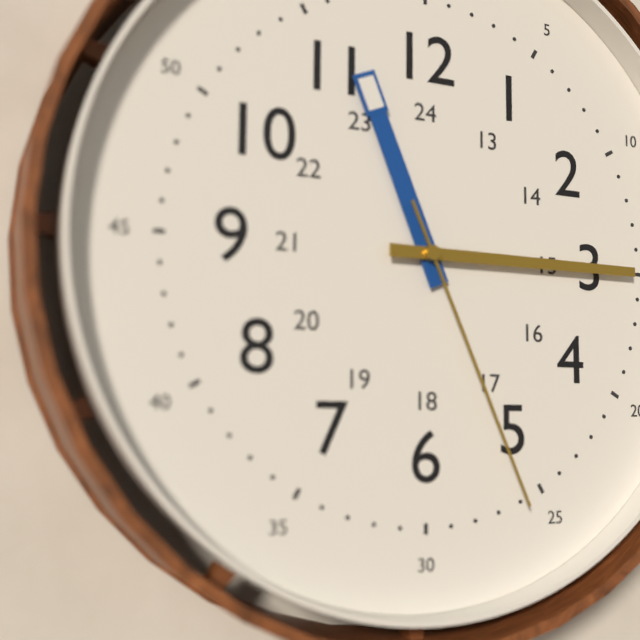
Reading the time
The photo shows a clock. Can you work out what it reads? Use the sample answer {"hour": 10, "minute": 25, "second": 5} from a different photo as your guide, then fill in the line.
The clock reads {"hour": 11, "minute": 15, "second": 26}
